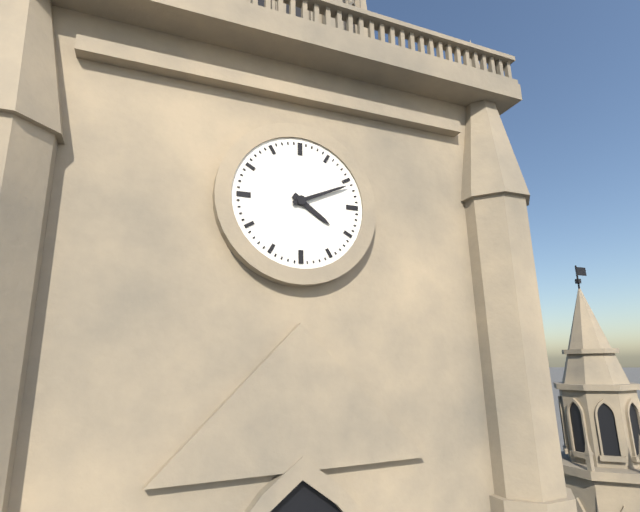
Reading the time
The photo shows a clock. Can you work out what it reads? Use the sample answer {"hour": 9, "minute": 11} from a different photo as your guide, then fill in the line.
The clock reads {"hour": 4, "minute": 11}
